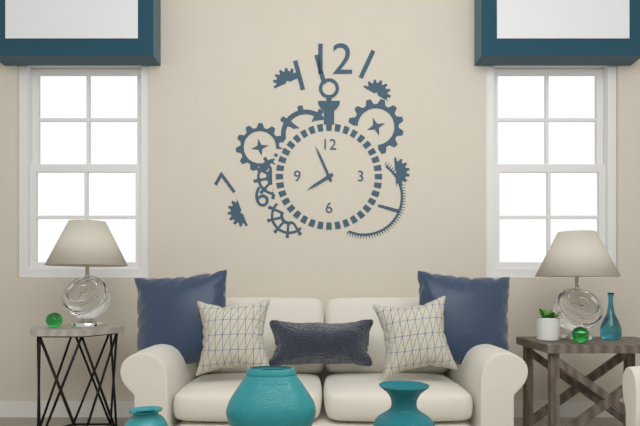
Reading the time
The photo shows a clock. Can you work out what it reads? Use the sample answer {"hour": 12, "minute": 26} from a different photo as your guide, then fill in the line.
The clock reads {"hour": 7, "minute": 56}
